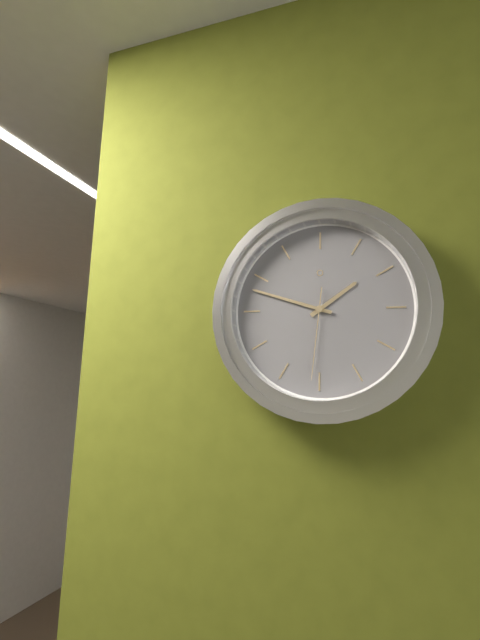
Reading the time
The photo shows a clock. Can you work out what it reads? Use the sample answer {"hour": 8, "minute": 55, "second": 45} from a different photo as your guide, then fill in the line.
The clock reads {"hour": 1, "minute": 48, "second": 31}
